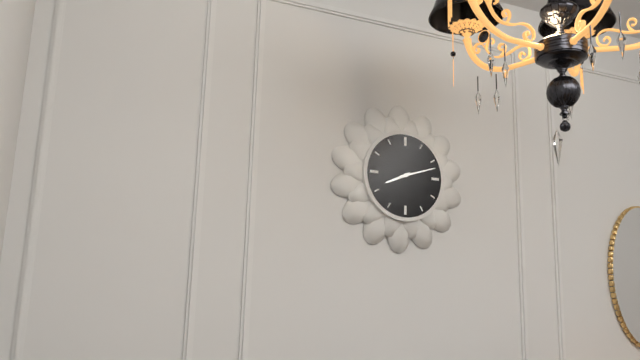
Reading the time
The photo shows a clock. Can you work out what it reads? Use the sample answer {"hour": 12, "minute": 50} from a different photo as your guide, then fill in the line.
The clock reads {"hour": 8, "minute": 12}
